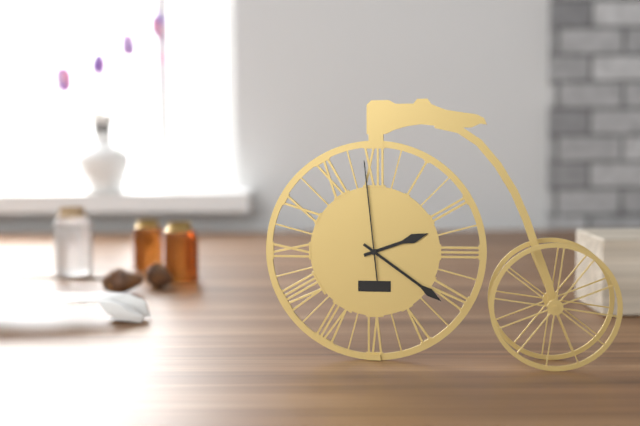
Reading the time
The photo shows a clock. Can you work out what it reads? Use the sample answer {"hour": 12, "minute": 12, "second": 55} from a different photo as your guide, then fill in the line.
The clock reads {"hour": 2, "minute": 21, "second": 59}
